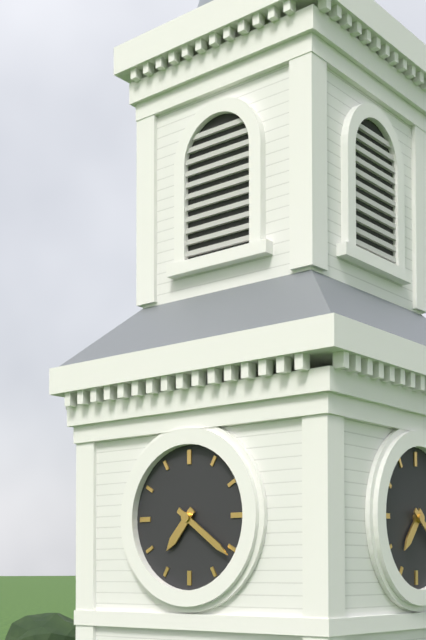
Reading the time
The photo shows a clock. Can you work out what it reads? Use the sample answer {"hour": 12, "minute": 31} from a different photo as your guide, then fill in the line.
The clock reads {"hour": 7, "minute": 21}
